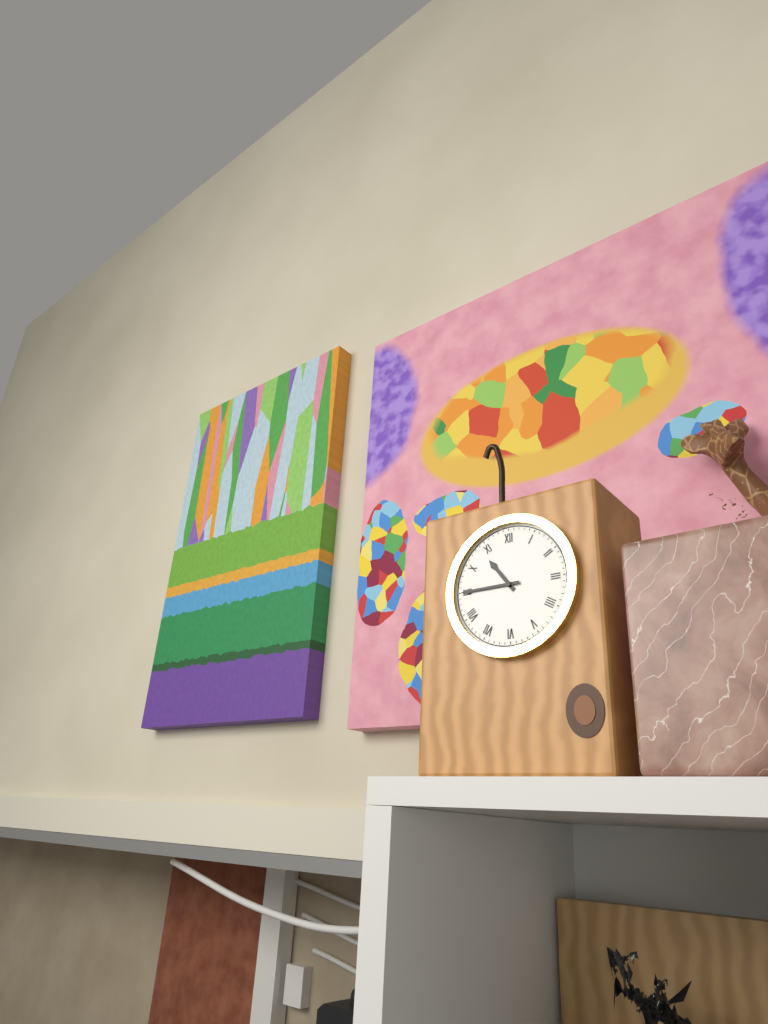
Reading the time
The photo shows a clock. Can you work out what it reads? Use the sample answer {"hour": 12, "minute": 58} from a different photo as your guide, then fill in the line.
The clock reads {"hour": 10, "minute": 45}
